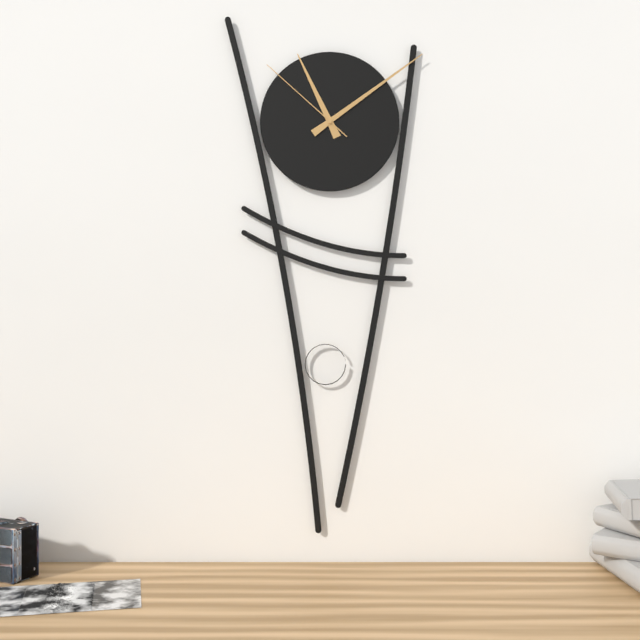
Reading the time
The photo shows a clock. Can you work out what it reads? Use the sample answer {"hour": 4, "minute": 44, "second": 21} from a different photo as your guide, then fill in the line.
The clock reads {"hour": 11, "minute": 9, "second": 52}
